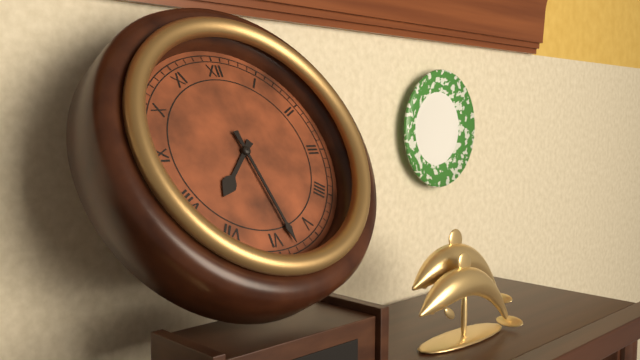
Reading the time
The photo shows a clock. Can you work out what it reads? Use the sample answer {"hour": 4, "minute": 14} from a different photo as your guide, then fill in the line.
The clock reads {"hour": 7, "minute": 28}
